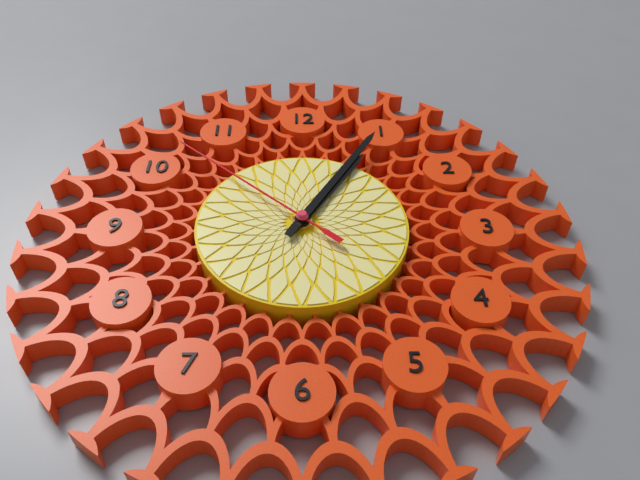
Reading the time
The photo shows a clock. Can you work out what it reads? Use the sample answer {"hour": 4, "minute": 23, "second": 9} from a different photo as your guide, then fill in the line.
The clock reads {"hour": 1, "minute": 5, "second": 52}
